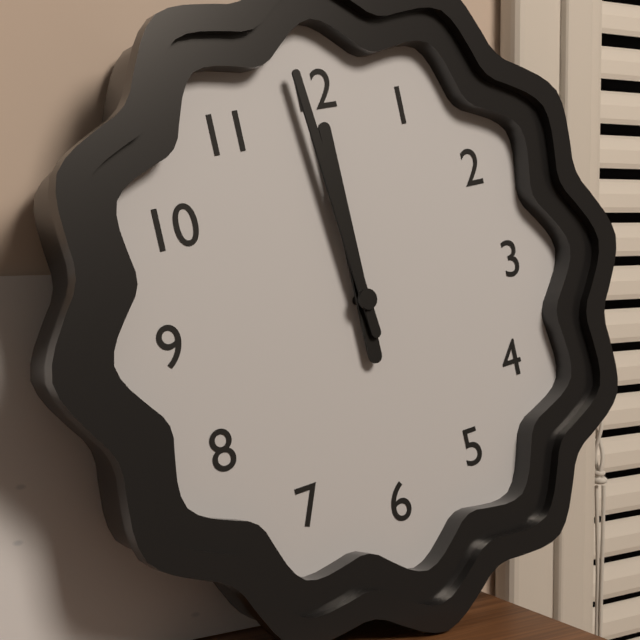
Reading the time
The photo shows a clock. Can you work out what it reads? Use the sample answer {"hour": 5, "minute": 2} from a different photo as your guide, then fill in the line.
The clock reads {"hour": 11, "minute": 59}
